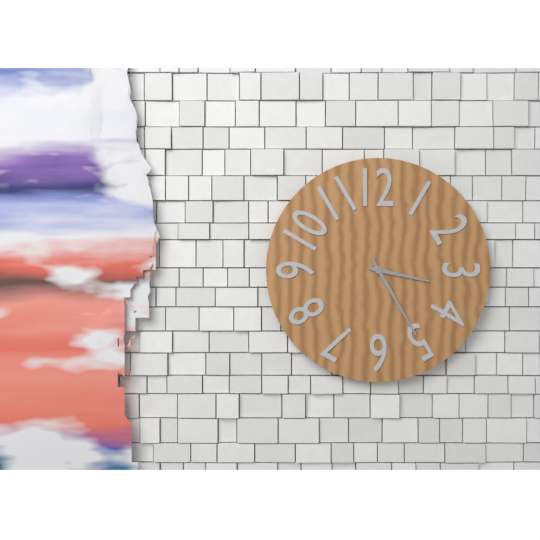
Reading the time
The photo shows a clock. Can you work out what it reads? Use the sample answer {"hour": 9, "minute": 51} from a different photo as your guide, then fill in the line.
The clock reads {"hour": 3, "minute": 25}
